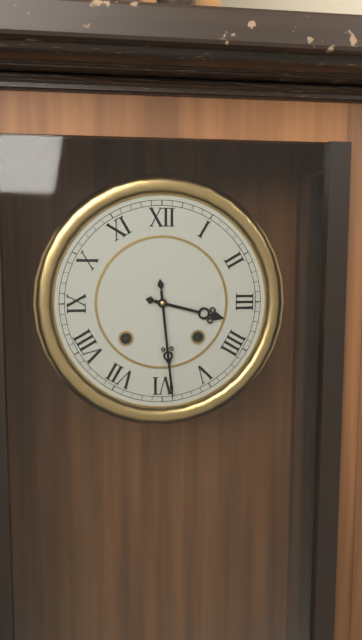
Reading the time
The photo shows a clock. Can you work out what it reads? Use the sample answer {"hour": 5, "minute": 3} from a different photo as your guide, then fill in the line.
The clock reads {"hour": 3, "minute": 29}
